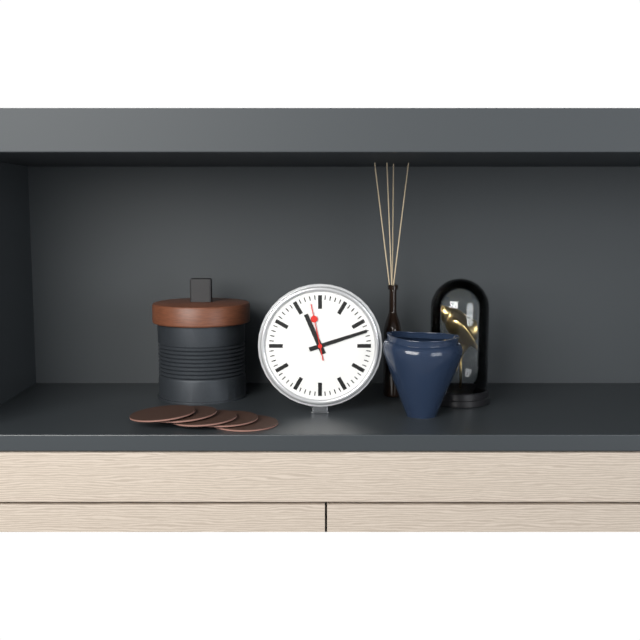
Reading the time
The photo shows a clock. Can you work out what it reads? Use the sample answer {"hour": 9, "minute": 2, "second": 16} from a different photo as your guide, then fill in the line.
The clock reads {"hour": 11, "minute": 12, "second": 58}
